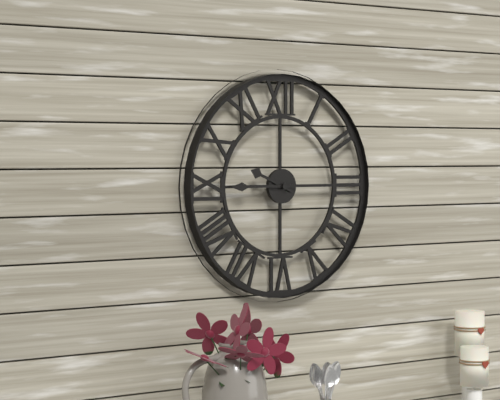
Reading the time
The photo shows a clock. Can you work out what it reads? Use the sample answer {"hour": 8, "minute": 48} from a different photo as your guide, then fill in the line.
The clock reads {"hour": 9, "minute": 45}
